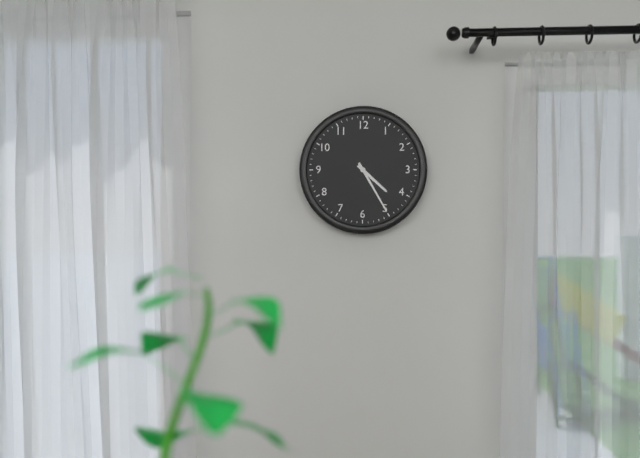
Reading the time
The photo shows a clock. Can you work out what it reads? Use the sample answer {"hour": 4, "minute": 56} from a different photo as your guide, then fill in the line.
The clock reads {"hour": 4, "minute": 25}
